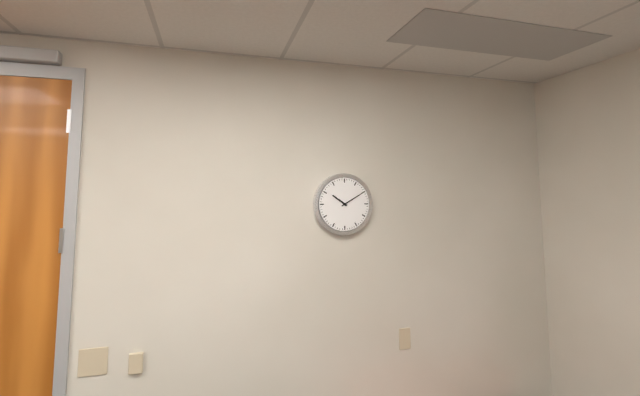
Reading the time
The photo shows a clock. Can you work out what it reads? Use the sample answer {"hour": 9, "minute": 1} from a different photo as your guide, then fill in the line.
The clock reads {"hour": 10, "minute": 10}
